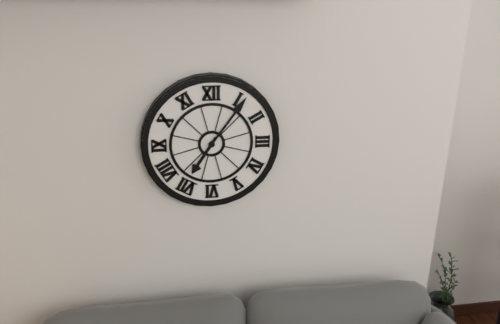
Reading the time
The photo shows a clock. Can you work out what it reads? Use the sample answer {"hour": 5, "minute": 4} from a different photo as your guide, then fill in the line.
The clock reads {"hour": 7, "minute": 6}
